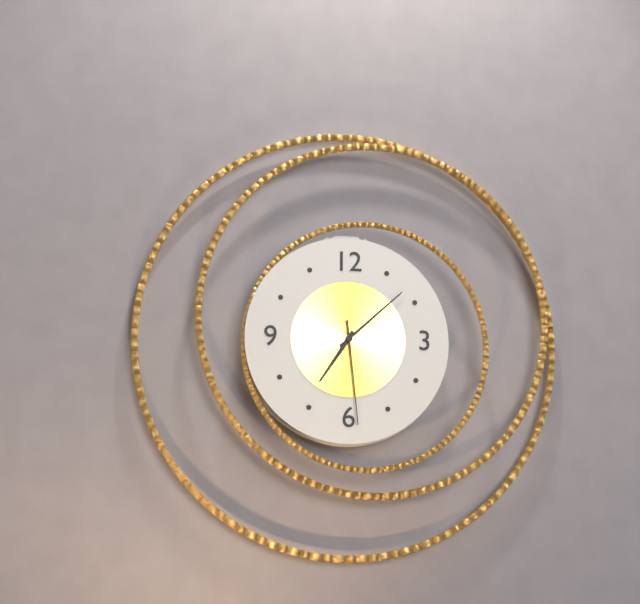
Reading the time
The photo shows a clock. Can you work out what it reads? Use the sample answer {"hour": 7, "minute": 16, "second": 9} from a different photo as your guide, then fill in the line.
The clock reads {"hour": 7, "minute": 8, "second": 29}
